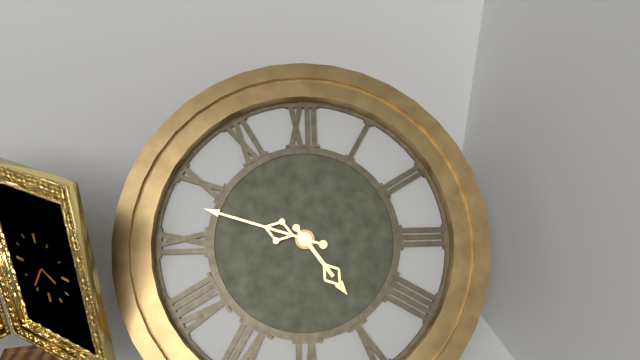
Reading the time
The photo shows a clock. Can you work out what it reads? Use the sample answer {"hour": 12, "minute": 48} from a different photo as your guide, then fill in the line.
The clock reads {"hour": 4, "minute": 48}
